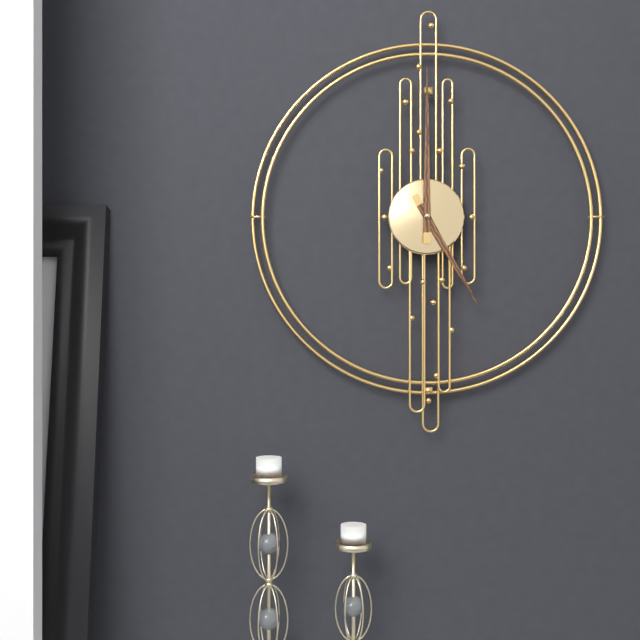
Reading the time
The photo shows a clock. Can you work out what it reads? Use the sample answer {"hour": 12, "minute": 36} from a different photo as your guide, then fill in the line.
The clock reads {"hour": 5, "minute": 0}
